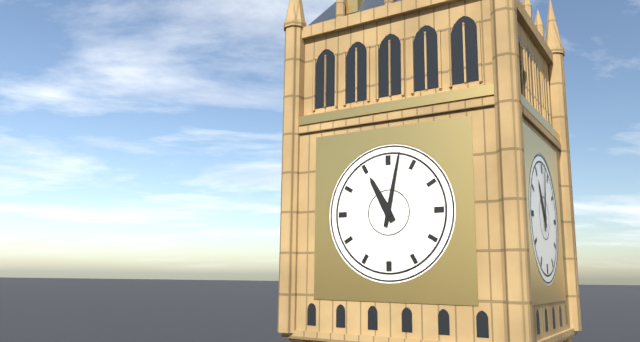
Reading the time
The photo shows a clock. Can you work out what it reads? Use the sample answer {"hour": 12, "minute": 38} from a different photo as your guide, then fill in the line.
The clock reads {"hour": 11, "minute": 2}
